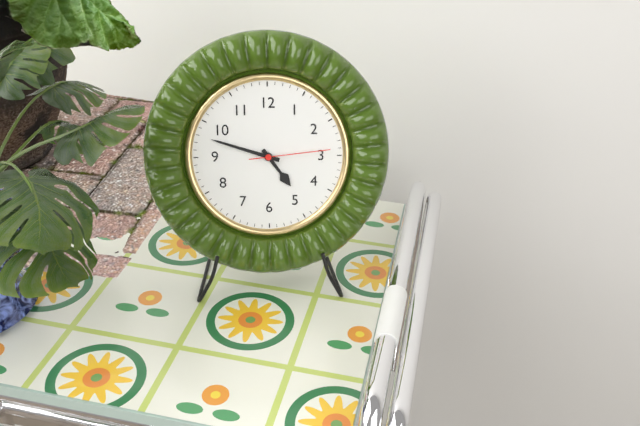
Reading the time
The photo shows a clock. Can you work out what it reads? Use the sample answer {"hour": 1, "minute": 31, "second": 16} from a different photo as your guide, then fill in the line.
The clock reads {"hour": 4, "minute": 48, "second": 14}
